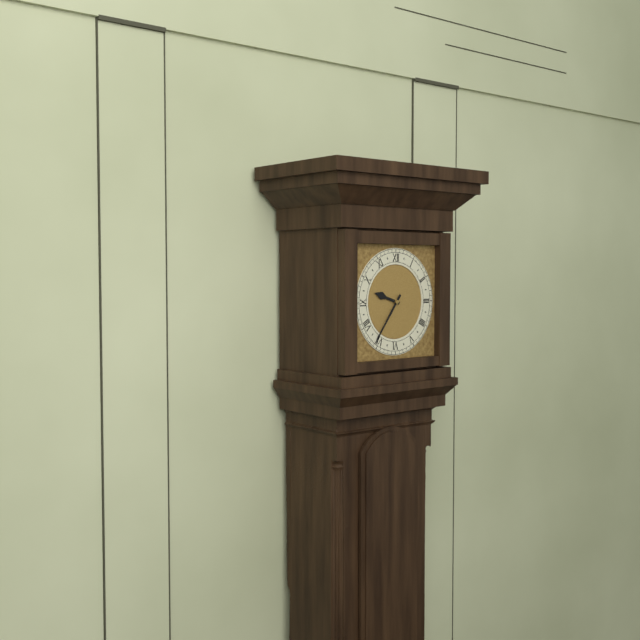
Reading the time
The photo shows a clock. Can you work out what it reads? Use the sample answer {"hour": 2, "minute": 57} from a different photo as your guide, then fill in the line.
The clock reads {"hour": 9, "minute": 36}
